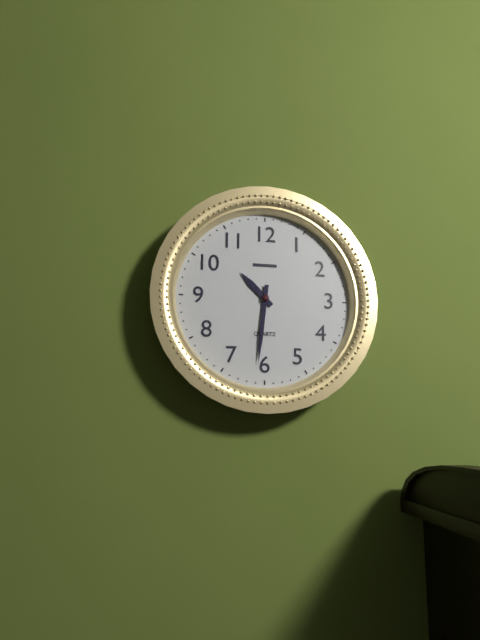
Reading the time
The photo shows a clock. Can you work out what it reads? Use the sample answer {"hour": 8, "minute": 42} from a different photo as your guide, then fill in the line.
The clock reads {"hour": 10, "minute": 31}
